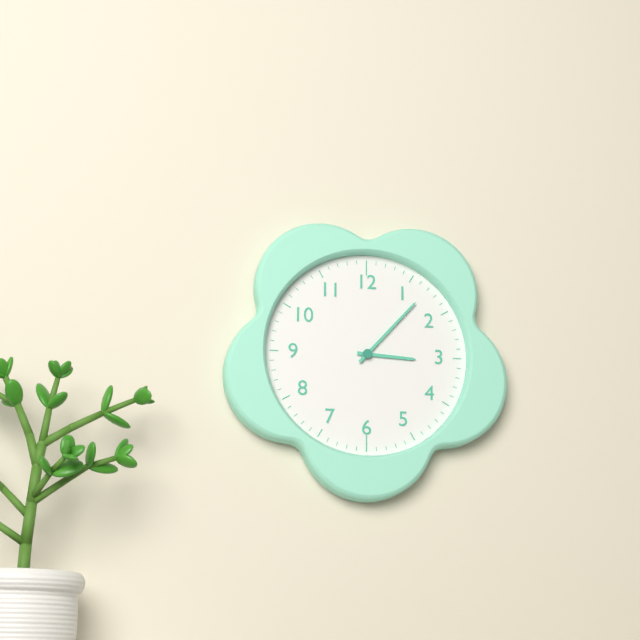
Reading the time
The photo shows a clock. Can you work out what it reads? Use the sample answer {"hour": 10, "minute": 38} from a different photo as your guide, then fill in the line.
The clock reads {"hour": 3, "minute": 7}
